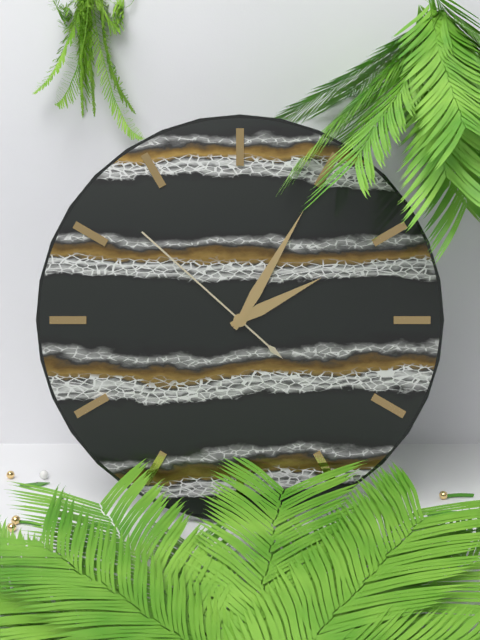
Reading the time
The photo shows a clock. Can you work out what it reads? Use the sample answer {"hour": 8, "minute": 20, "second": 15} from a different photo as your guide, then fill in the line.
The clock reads {"hour": 2, "minute": 5, "second": 52}
